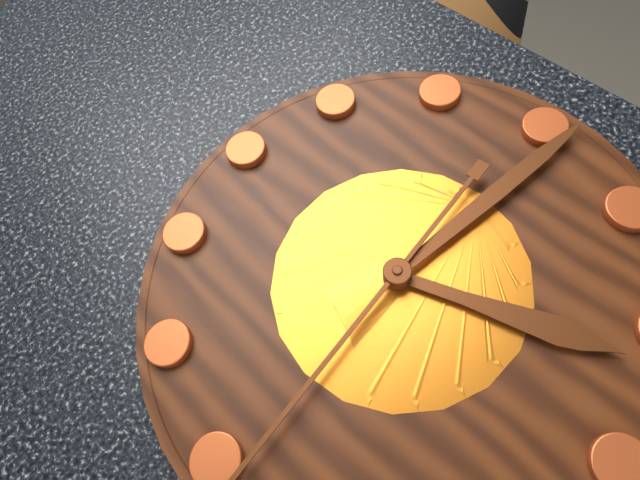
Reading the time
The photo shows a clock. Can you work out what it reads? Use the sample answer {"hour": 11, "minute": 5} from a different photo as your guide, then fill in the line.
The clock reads {"hour": 5, "minute": 16}
